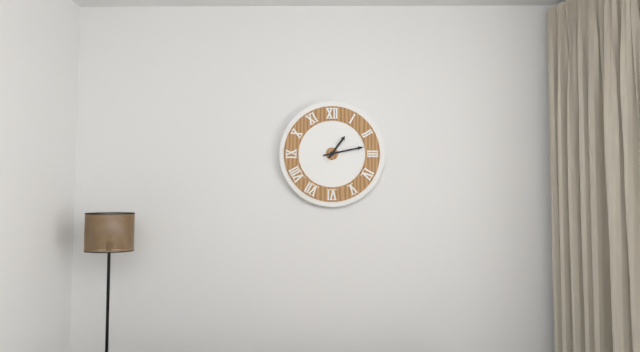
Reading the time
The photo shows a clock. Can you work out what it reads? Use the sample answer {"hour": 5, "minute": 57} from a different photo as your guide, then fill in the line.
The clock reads {"hour": 1, "minute": 13}
